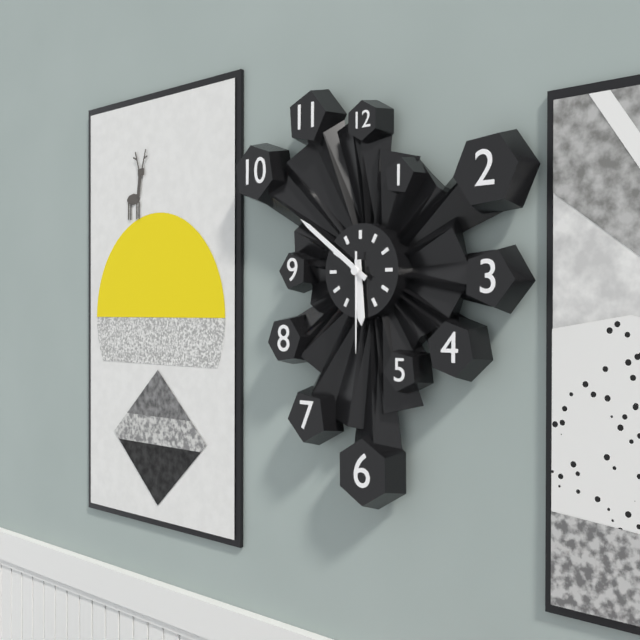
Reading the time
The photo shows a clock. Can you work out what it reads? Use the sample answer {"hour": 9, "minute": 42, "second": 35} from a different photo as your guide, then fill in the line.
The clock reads {"hour": 5, "minute": 51, "second": 30}
